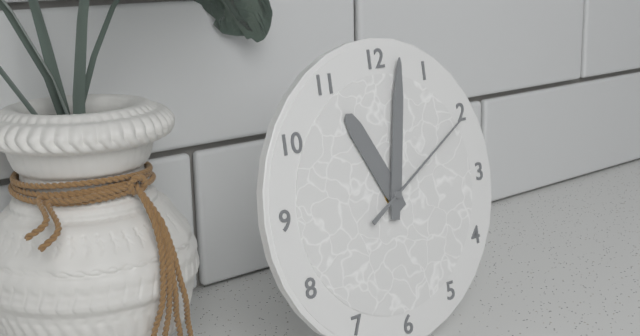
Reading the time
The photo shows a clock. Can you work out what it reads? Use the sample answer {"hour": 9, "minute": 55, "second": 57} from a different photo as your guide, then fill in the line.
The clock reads {"hour": 11, "minute": 2, "second": 10}
